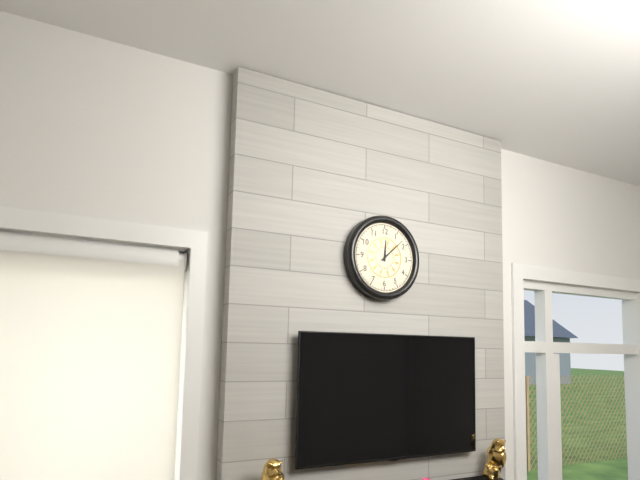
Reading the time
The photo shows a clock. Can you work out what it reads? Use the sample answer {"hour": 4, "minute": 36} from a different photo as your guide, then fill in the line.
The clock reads {"hour": 12, "minute": 8}
